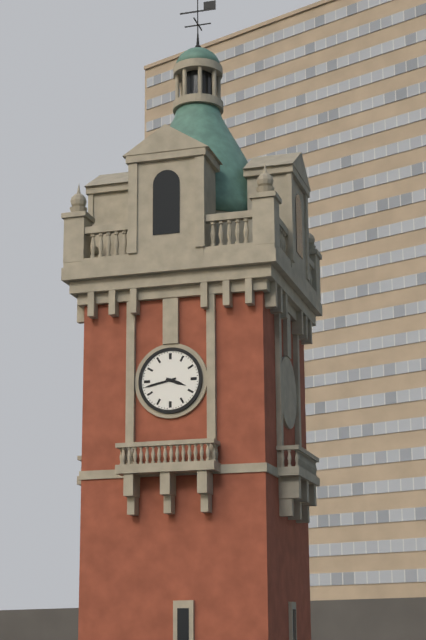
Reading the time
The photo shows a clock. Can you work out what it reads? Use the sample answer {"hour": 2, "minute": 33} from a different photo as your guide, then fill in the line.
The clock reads {"hour": 3, "minute": 43}
